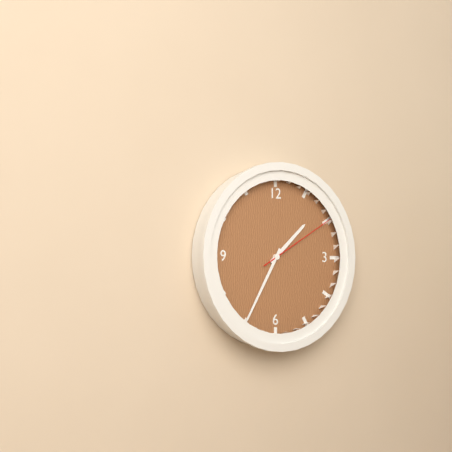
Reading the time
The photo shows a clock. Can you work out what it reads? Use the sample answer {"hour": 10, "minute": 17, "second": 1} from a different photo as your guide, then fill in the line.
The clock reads {"hour": 1, "minute": 35, "second": 10}
